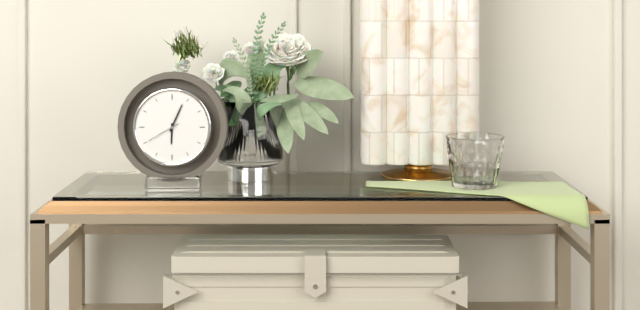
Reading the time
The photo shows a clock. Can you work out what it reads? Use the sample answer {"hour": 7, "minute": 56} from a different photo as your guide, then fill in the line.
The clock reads {"hour": 6, "minute": 4}
